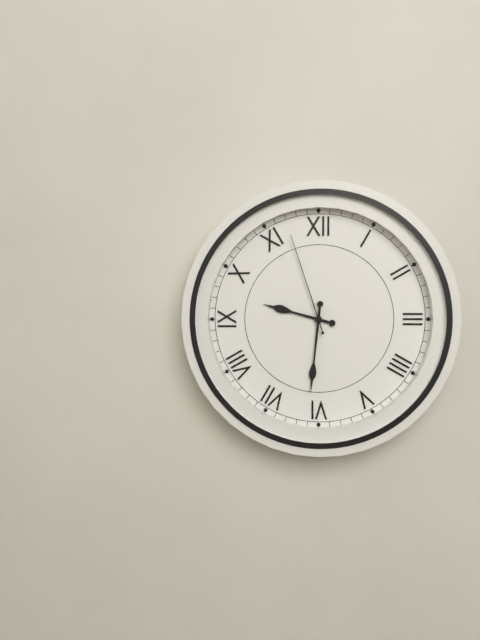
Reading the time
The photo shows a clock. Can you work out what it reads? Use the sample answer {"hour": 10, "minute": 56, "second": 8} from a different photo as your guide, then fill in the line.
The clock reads {"hour": 9, "minute": 31, "second": 57}
